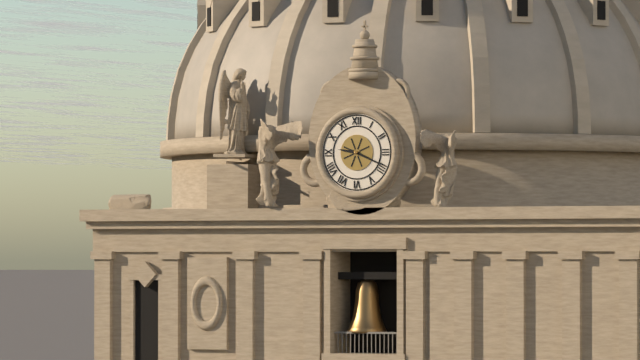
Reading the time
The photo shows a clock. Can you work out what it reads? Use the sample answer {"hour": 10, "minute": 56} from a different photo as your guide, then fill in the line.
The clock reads {"hour": 9, "minute": 19}
